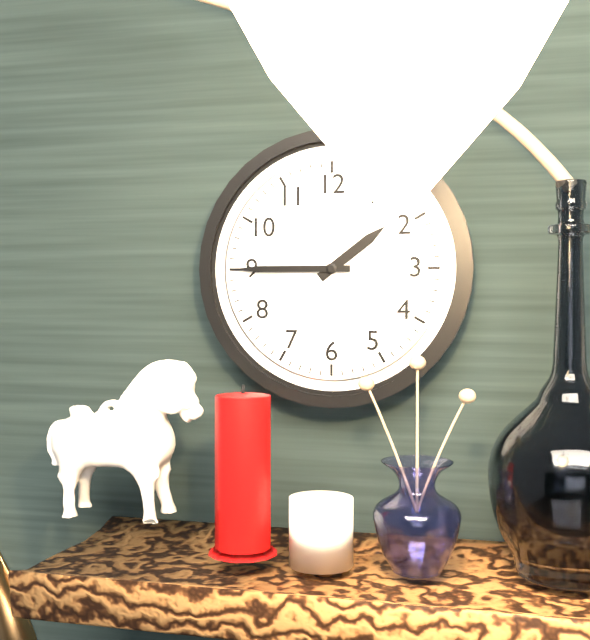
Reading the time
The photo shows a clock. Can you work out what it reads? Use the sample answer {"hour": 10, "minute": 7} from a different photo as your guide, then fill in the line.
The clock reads {"hour": 1, "minute": 45}
